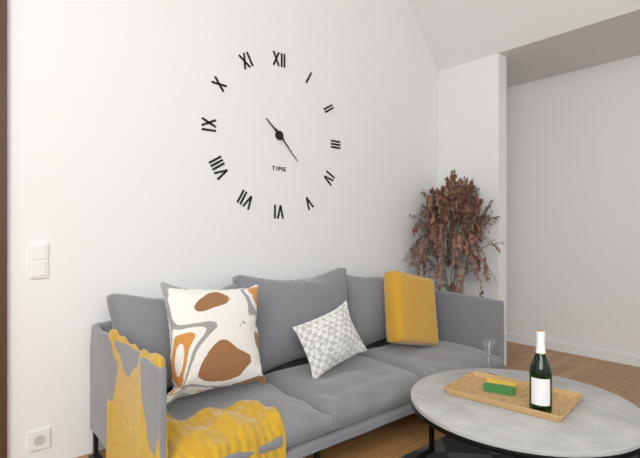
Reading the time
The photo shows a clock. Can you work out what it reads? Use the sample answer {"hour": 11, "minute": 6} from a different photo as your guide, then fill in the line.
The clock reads {"hour": 10, "minute": 23}
